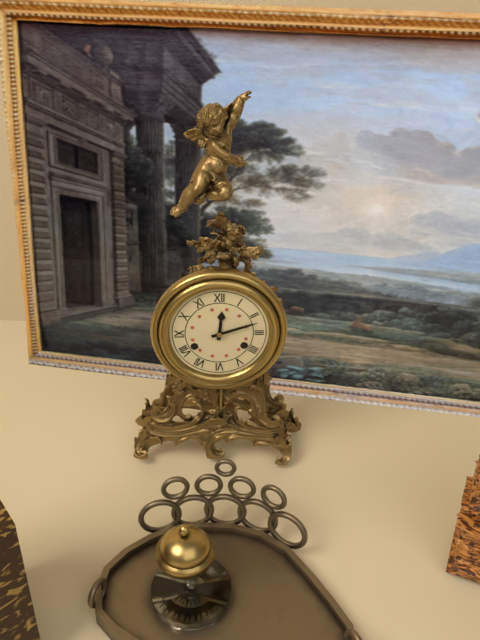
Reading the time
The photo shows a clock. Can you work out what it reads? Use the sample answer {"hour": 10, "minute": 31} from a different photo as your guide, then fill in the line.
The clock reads {"hour": 12, "minute": 12}
